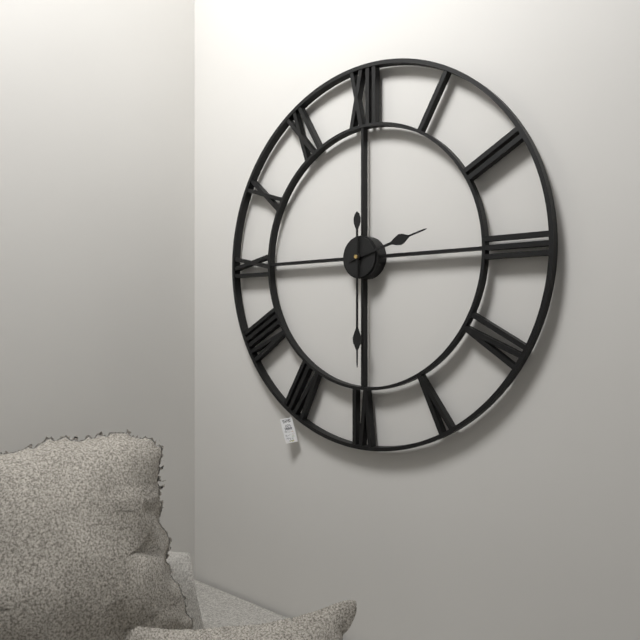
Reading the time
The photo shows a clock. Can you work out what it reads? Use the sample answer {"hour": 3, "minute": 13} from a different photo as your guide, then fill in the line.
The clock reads {"hour": 2, "minute": 30}
